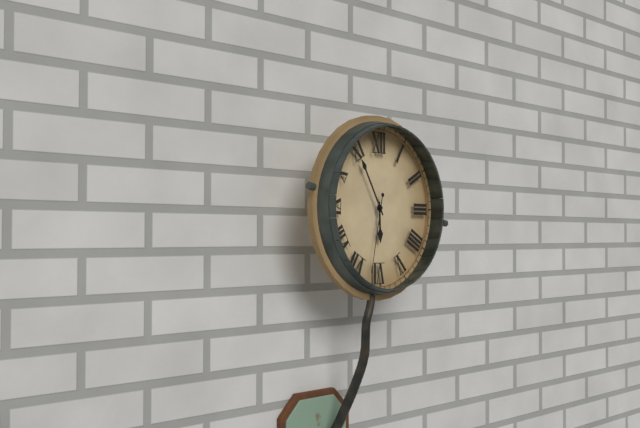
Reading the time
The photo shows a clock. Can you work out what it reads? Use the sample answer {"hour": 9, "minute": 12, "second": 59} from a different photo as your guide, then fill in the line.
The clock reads {"hour": 5, "minute": 55, "second": 32}
